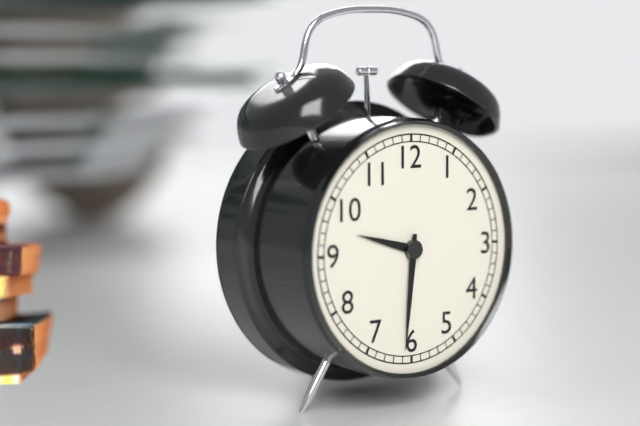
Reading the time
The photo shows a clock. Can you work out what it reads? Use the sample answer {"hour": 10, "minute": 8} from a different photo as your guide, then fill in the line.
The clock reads {"hour": 9, "minute": 31}
